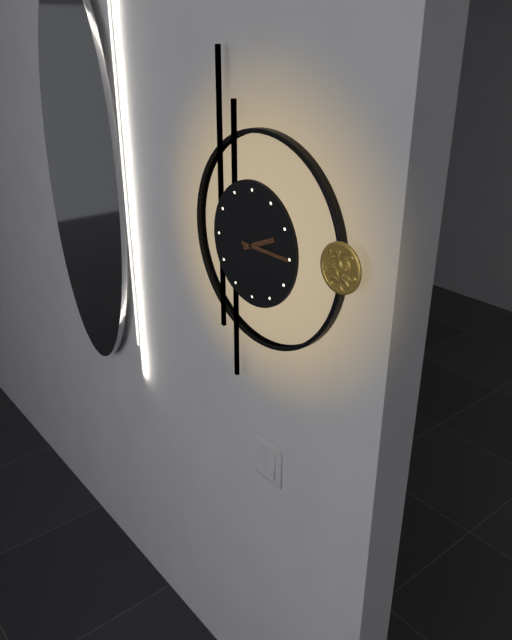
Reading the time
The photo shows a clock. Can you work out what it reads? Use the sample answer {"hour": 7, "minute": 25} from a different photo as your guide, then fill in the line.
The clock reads {"hour": 2, "minute": 15}
